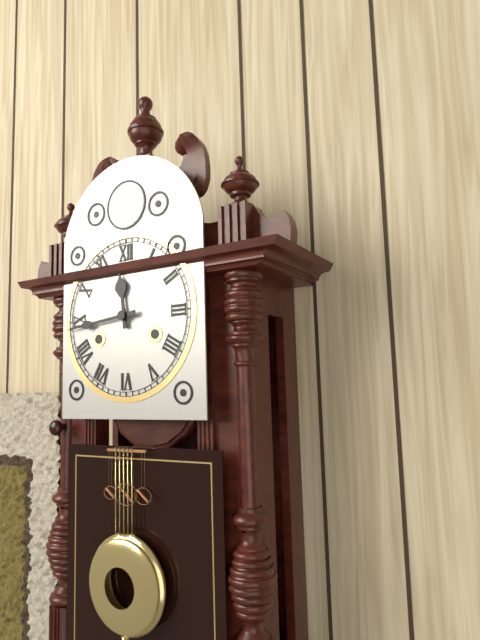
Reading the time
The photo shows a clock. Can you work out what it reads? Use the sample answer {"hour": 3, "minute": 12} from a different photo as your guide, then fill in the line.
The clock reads {"hour": 11, "minute": 44}
